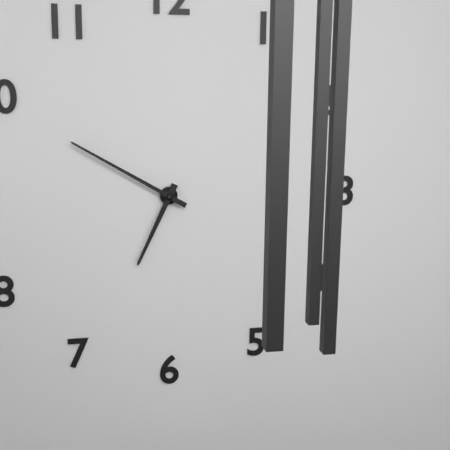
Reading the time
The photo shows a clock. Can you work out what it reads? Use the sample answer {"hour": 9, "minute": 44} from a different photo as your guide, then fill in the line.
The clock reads {"hour": 6, "minute": 50}
